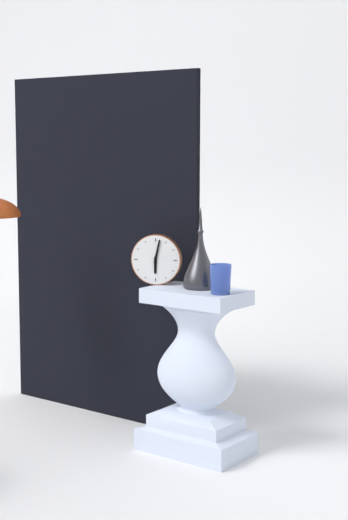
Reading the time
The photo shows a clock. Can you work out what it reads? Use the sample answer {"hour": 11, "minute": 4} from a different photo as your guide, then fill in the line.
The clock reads {"hour": 6, "minute": 2}
